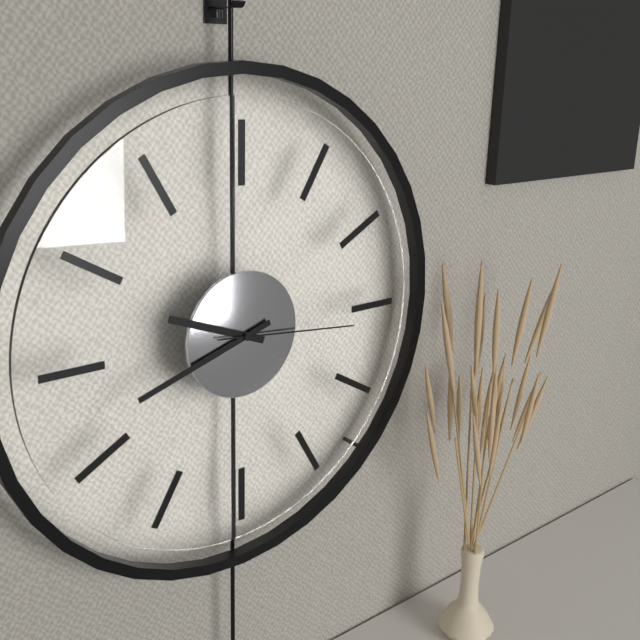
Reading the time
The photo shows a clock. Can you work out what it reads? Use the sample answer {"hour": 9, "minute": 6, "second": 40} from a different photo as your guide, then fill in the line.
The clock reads {"hour": 9, "minute": 42, "second": 16}
